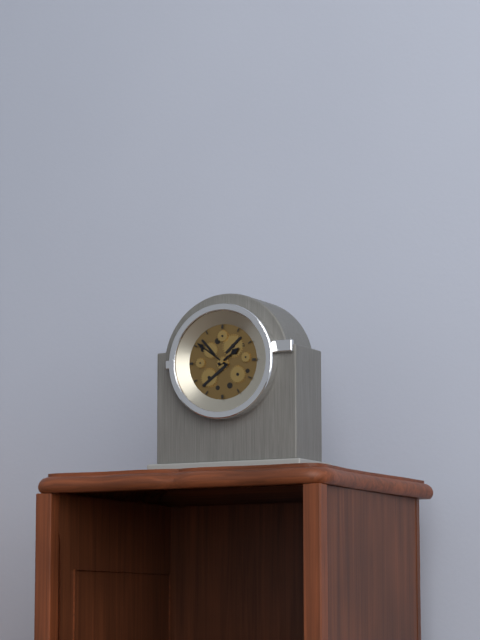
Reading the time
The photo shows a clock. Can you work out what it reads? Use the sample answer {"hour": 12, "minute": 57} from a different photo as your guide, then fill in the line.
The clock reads {"hour": 1, "minute": 51}
